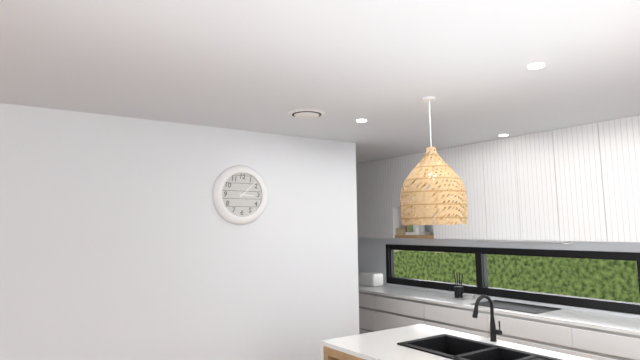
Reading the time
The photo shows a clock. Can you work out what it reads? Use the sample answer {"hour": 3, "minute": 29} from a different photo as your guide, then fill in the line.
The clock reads {"hour": 3, "minute": 8}
